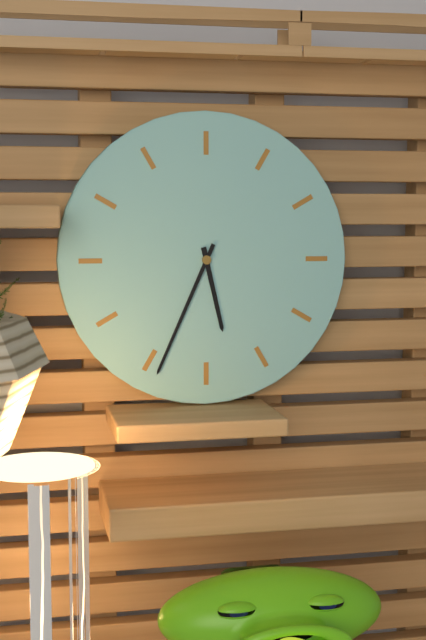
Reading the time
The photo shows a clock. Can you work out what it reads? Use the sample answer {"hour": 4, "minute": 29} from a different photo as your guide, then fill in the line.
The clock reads {"hour": 5, "minute": 34}
